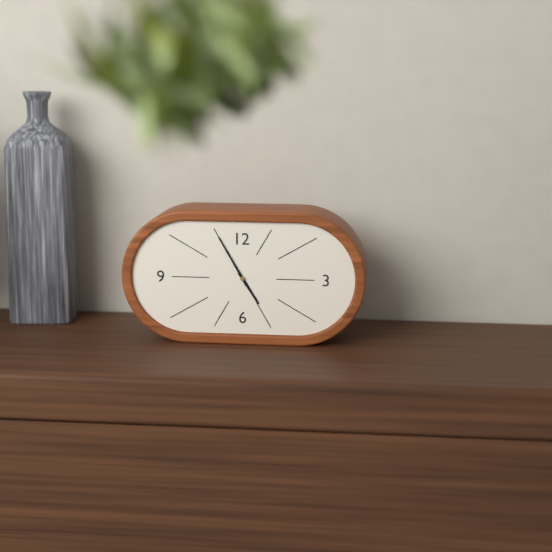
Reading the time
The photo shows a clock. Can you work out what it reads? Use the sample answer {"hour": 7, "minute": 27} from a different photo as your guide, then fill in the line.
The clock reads {"hour": 4, "minute": 55}
